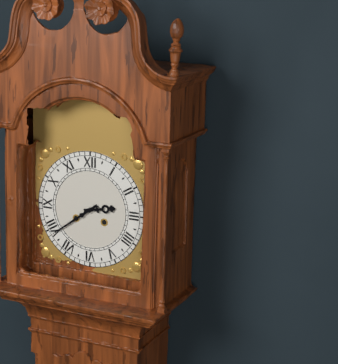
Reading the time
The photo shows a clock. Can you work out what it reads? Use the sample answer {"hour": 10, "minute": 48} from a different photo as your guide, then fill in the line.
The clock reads {"hour": 2, "minute": 39}
